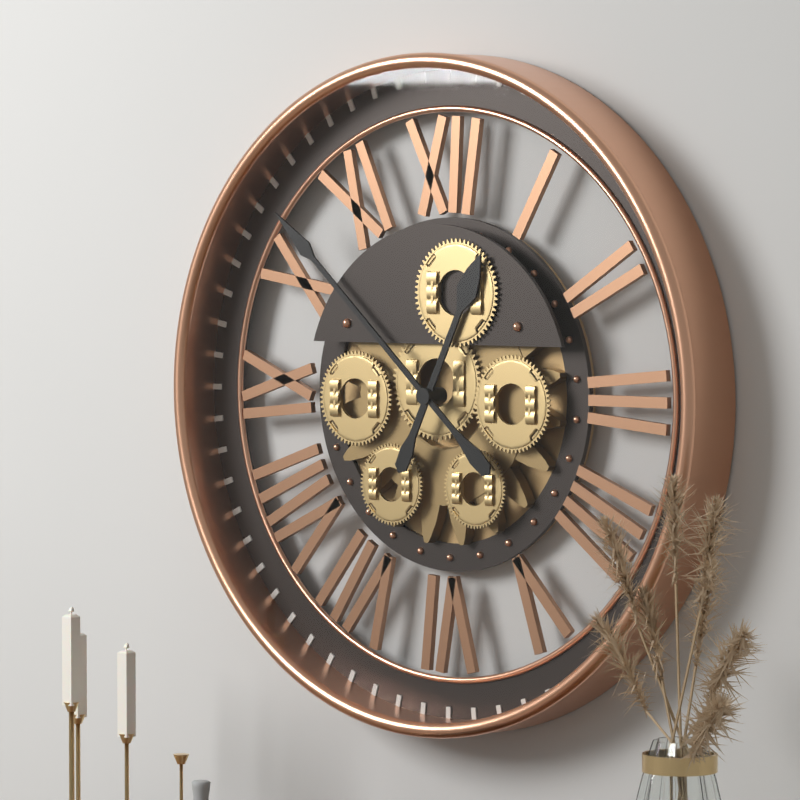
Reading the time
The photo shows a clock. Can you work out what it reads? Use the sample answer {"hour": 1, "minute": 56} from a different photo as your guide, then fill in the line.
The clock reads {"hour": 12, "minute": 52}
